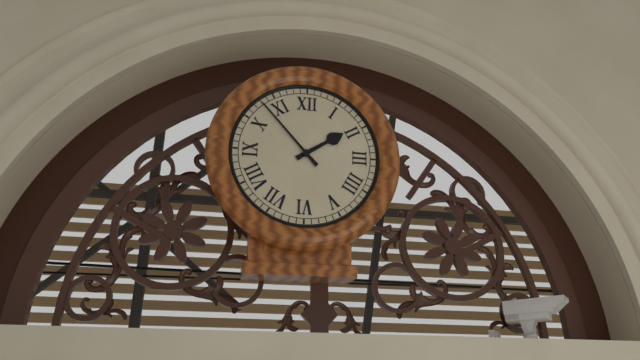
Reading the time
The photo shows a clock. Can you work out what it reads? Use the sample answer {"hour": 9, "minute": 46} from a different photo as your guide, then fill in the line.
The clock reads {"hour": 1, "minute": 53}
